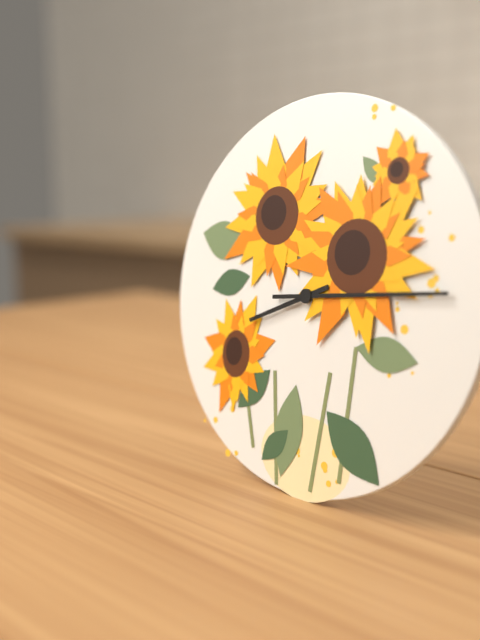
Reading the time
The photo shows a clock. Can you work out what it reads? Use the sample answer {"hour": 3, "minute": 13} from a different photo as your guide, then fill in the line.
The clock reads {"hour": 8, "minute": 14}
